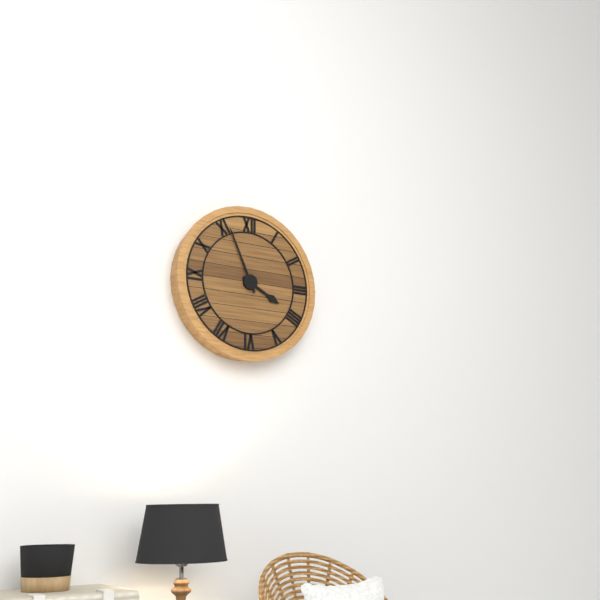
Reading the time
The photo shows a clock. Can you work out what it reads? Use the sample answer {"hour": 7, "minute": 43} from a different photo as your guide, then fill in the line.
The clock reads {"hour": 3, "minute": 56}
